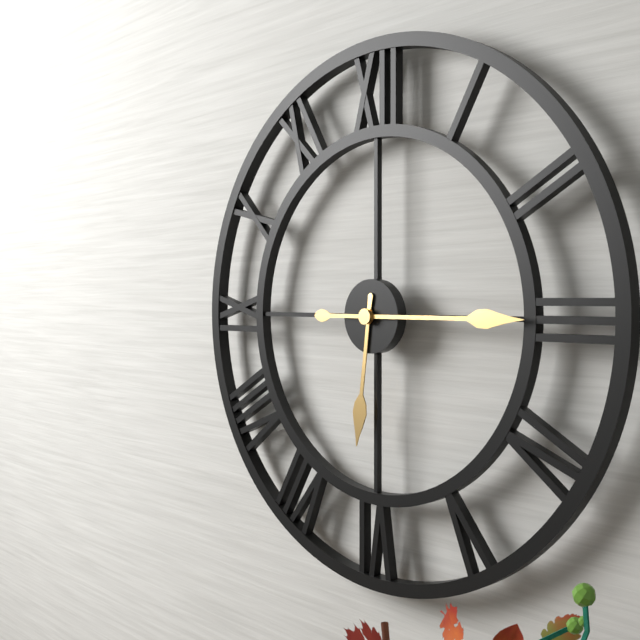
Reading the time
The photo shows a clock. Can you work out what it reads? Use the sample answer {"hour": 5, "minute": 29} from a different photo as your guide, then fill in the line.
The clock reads {"hour": 6, "minute": 15}
